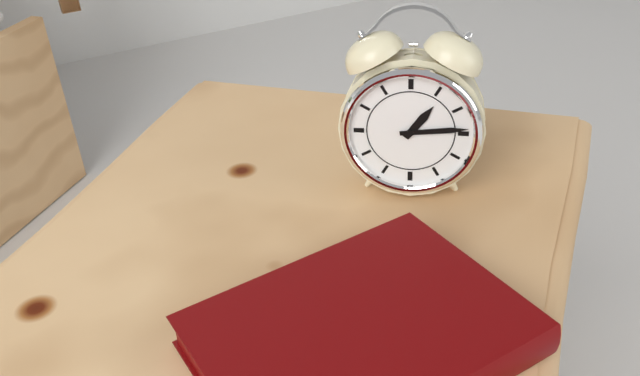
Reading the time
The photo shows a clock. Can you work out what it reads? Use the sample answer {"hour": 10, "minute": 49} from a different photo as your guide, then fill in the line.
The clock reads {"hour": 1, "minute": 14}
